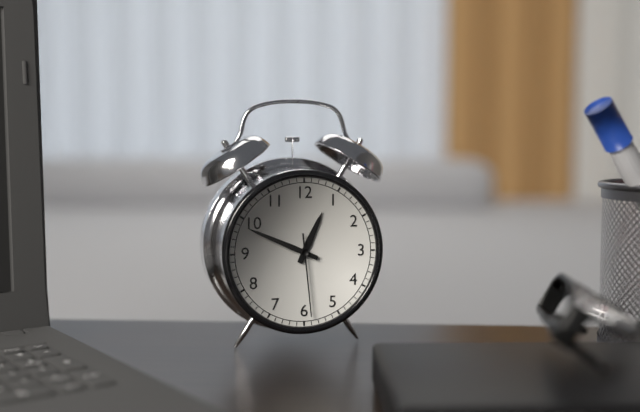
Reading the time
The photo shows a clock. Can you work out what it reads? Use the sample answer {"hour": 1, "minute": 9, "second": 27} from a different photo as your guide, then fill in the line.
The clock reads {"hour": 12, "minute": 49, "second": 29}
